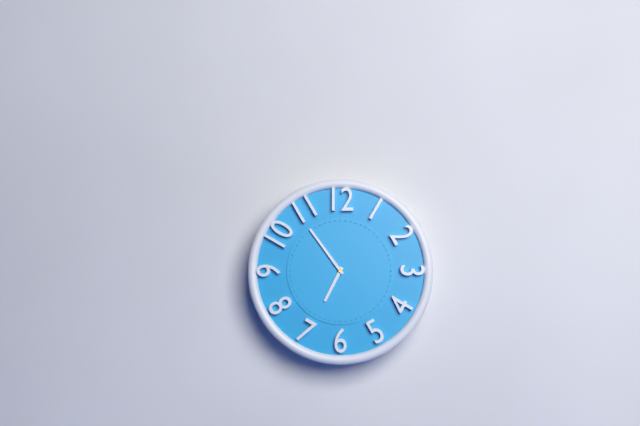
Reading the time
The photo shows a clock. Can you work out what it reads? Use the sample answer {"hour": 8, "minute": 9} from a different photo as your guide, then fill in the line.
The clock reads {"hour": 6, "minute": 54}
